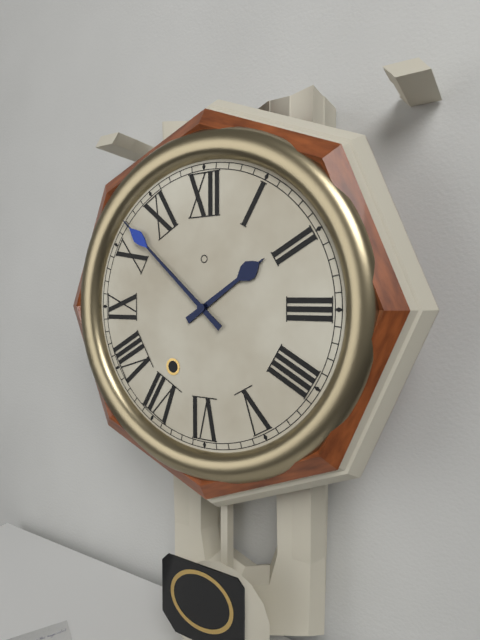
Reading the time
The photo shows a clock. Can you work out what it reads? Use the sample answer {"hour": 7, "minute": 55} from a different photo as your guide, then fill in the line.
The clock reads {"hour": 1, "minute": 52}
